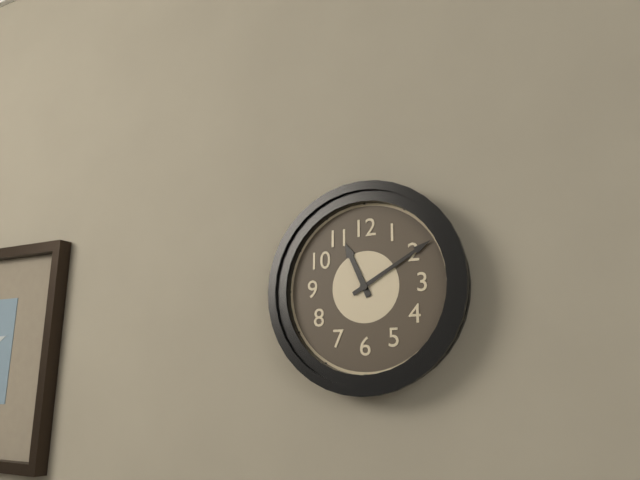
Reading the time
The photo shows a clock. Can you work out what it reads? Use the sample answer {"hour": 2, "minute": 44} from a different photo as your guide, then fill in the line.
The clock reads {"hour": 11, "minute": 10}
